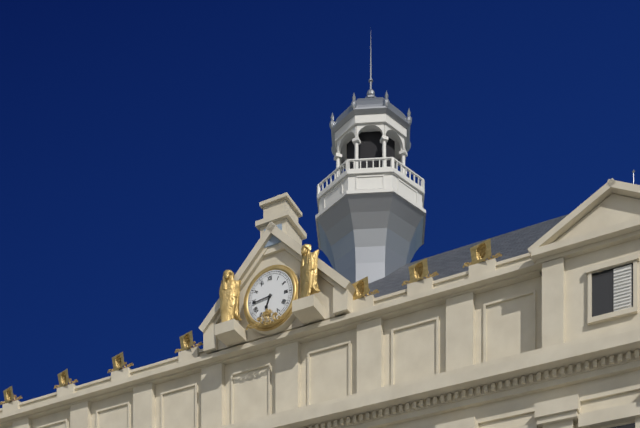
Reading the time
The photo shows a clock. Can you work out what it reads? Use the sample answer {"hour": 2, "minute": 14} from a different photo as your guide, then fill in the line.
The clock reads {"hour": 6, "minute": 44}
